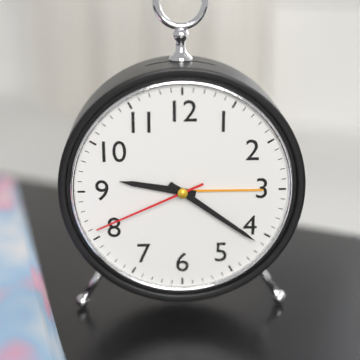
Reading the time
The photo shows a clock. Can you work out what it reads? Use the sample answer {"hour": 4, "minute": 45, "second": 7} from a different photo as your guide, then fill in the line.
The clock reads {"hour": 9, "minute": 21, "second": 41}
